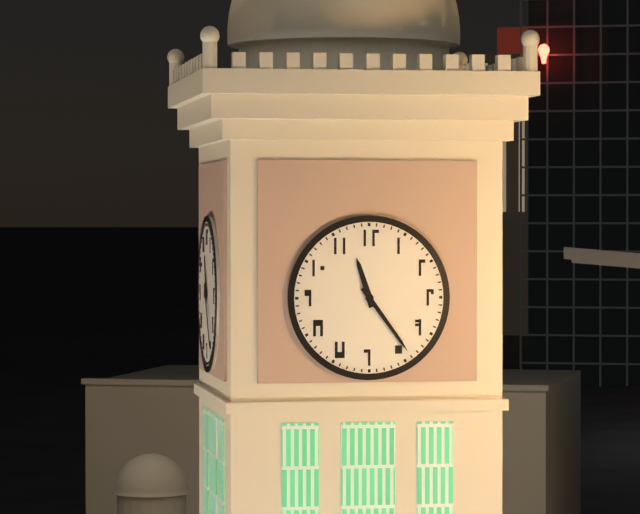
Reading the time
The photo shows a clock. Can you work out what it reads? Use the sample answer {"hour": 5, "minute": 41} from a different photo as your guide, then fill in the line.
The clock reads {"hour": 11, "minute": 24}
